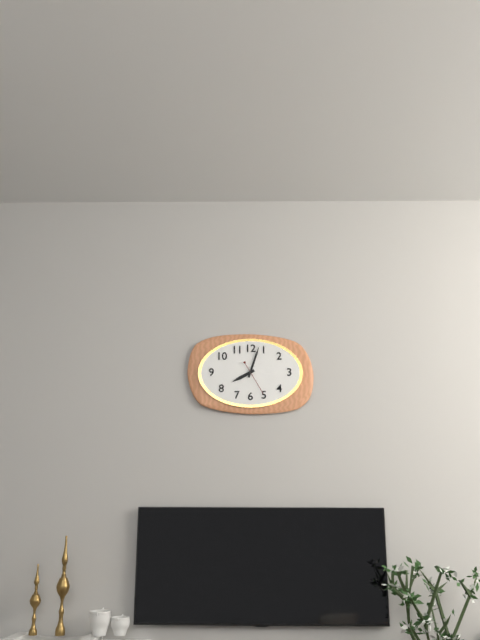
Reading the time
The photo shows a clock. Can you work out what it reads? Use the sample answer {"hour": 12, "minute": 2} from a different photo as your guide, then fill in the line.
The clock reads {"hour": 8, "minute": 3}
